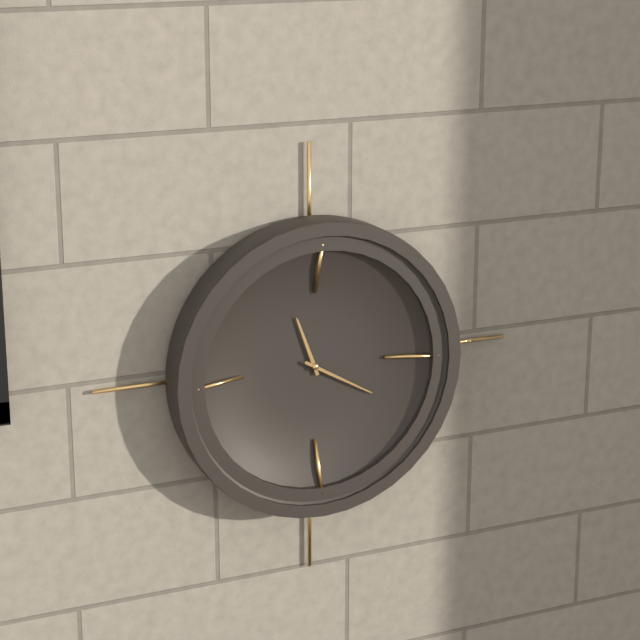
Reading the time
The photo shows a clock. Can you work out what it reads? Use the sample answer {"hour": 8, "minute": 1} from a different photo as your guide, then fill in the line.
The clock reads {"hour": 11, "minute": 20}
